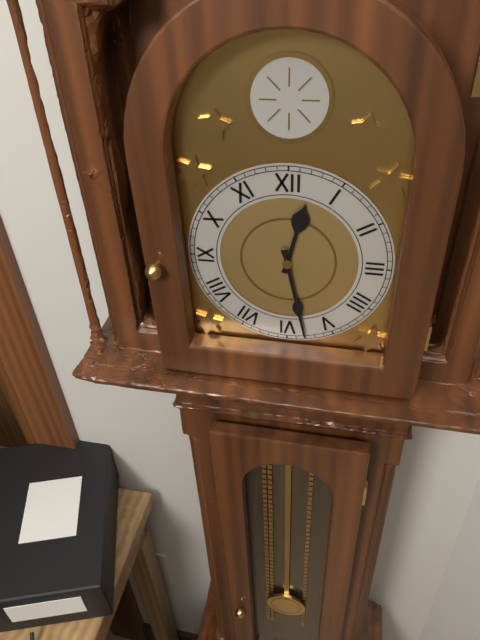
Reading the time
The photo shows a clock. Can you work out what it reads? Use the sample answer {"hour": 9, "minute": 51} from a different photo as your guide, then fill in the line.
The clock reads {"hour": 12, "minute": 28}
